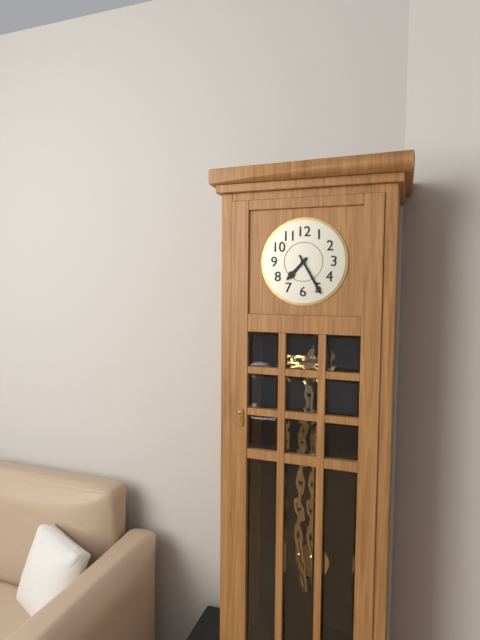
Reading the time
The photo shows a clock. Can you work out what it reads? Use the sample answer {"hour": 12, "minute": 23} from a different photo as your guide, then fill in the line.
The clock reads {"hour": 7, "minute": 25}
